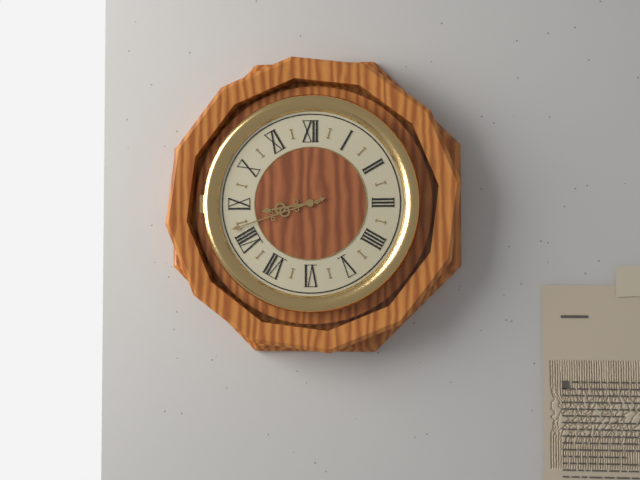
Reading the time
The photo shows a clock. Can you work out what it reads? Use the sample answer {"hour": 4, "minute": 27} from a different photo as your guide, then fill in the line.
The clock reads {"hour": 8, "minute": 42}
